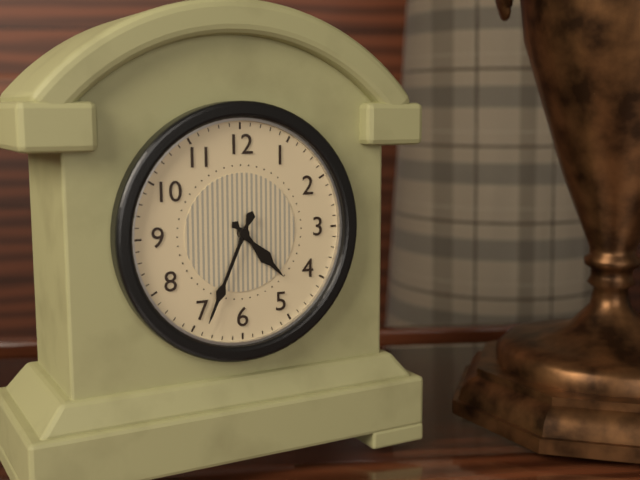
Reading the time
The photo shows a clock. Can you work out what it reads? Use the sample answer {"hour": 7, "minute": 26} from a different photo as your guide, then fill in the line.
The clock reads {"hour": 4, "minute": 34}
